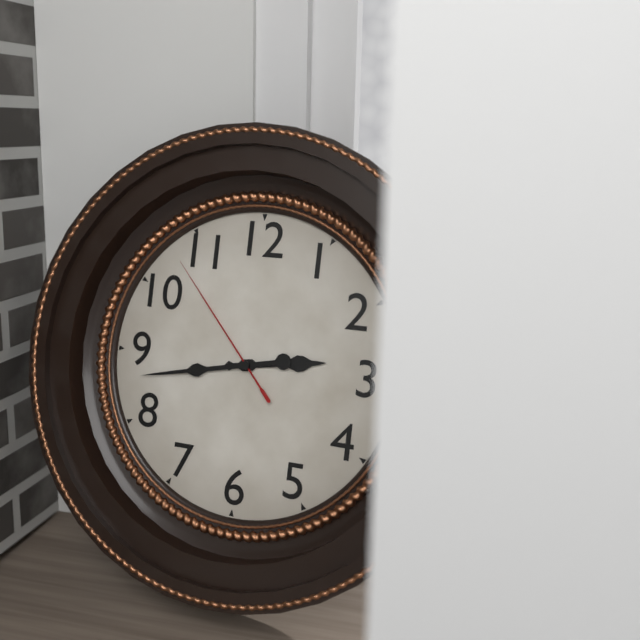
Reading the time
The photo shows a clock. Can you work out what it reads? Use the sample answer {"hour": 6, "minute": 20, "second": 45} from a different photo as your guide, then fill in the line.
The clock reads {"hour": 2, "minute": 43, "second": 53}
